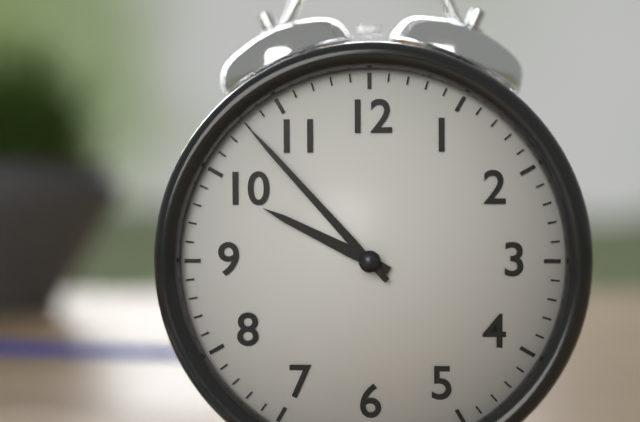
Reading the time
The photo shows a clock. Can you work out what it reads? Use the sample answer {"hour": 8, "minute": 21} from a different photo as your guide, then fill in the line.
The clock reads {"hour": 9, "minute": 53}
